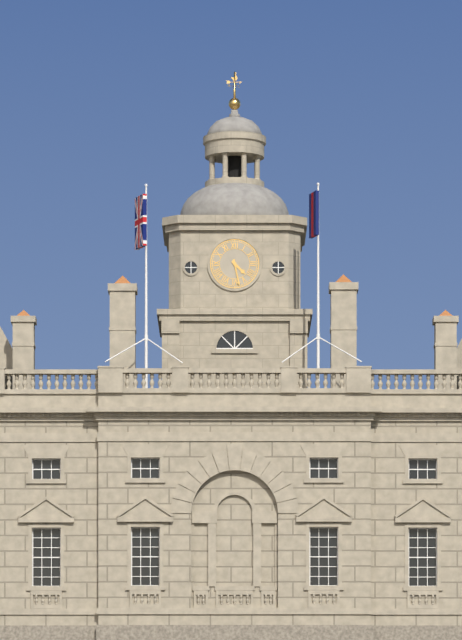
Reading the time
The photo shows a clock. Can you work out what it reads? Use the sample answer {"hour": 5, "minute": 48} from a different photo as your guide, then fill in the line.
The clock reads {"hour": 4, "minute": 28}
